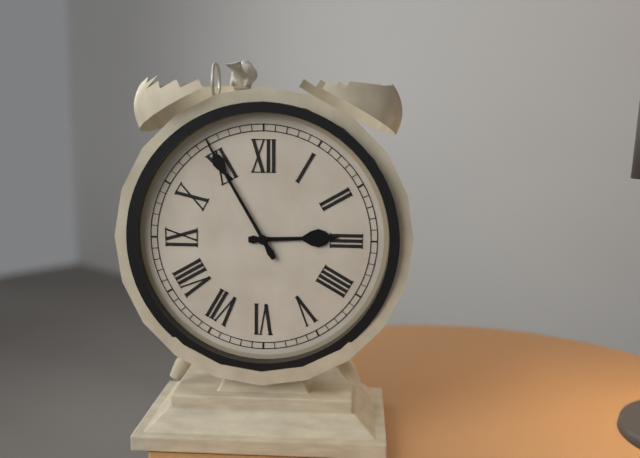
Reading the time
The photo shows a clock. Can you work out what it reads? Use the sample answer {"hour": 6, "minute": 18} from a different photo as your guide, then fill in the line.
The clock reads {"hour": 2, "minute": 55}
